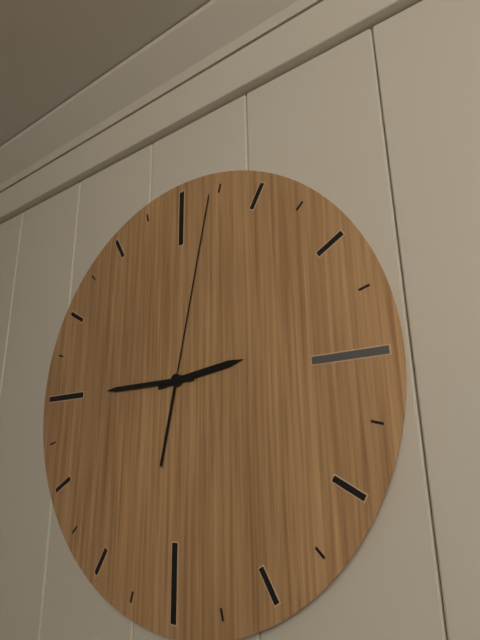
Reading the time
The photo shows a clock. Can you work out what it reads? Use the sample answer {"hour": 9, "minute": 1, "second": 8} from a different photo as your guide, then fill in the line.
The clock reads {"hour": 2, "minute": 45, "second": 2}
